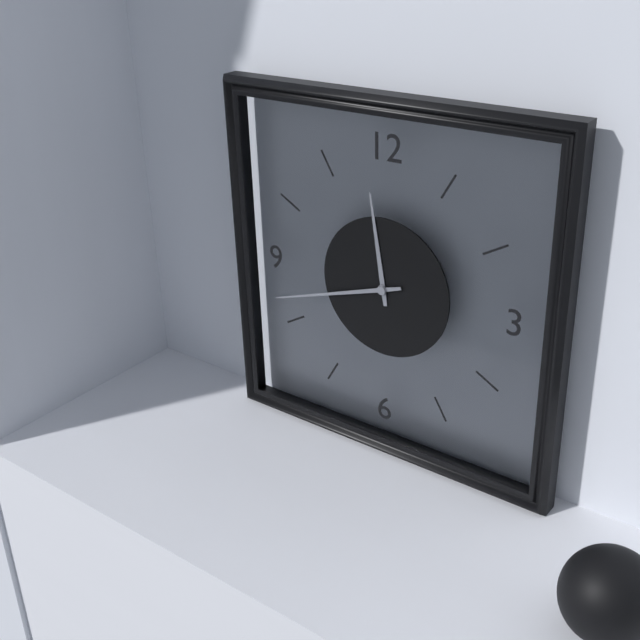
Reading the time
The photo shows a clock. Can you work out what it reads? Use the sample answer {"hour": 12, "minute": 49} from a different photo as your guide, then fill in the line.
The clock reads {"hour": 11, "minute": 42}
